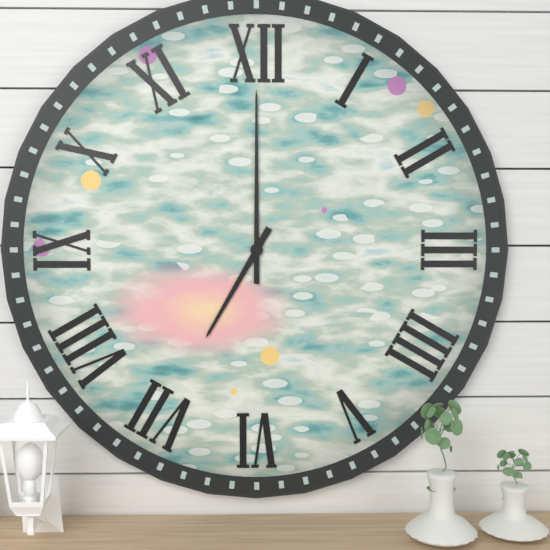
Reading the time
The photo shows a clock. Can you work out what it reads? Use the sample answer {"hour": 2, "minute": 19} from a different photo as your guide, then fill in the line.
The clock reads {"hour": 7, "minute": 0}
